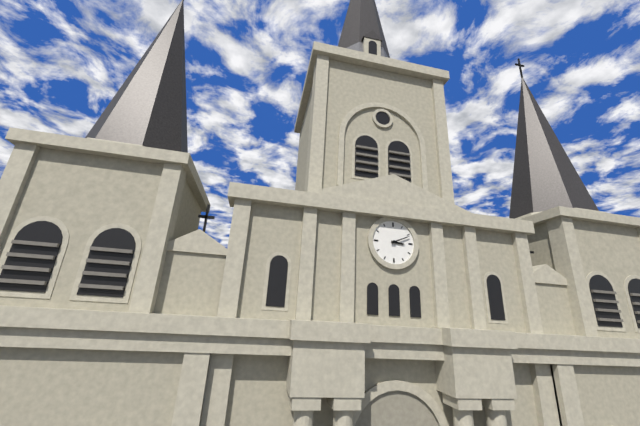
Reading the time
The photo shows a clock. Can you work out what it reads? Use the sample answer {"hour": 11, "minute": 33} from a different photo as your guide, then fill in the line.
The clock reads {"hour": 3, "minute": 11}
